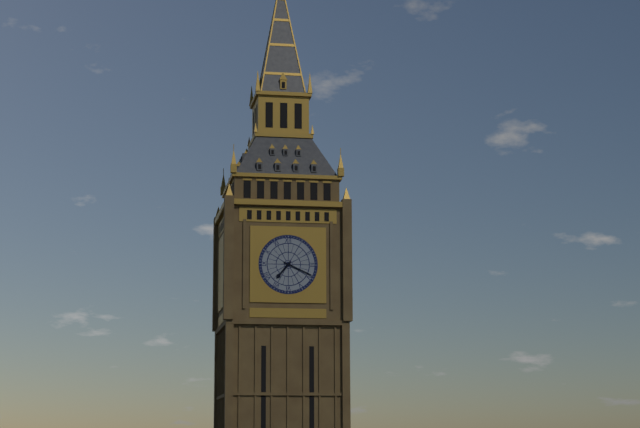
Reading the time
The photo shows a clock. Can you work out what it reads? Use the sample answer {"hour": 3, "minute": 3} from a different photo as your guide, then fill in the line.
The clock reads {"hour": 7, "minute": 19}
